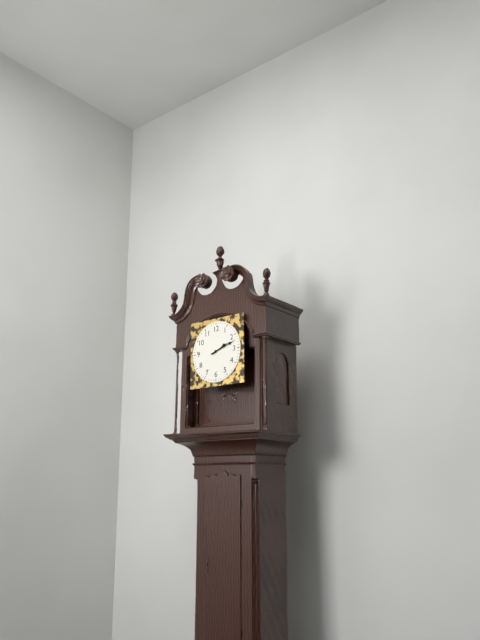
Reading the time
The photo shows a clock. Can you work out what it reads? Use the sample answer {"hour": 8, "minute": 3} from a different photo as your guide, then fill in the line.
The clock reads {"hour": 2, "minute": 12}
